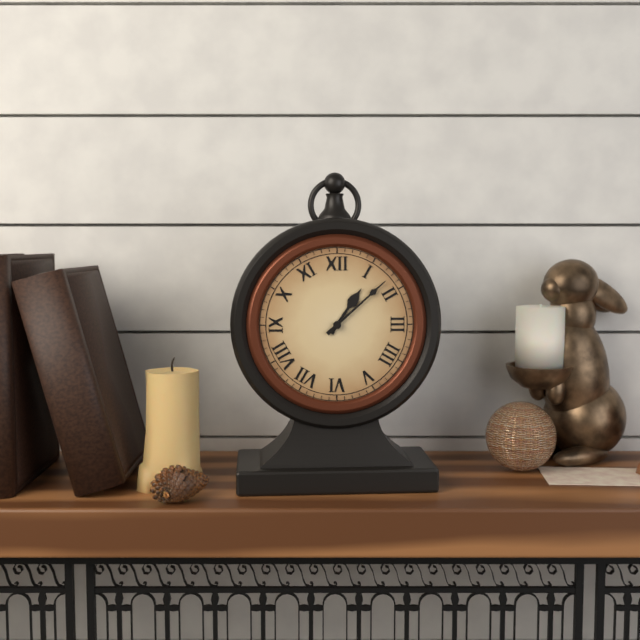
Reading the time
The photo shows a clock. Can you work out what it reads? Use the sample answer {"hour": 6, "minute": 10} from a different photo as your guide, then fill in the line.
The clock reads {"hour": 1, "minute": 8}
